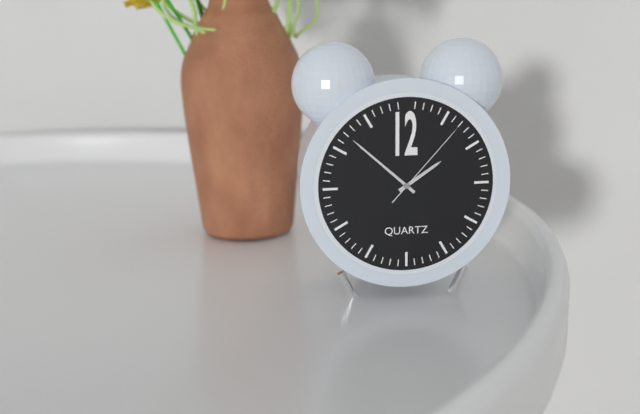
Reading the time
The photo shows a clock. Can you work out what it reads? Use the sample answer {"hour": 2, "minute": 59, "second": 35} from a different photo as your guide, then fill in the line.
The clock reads {"hour": 1, "minute": 52, "second": 7}
